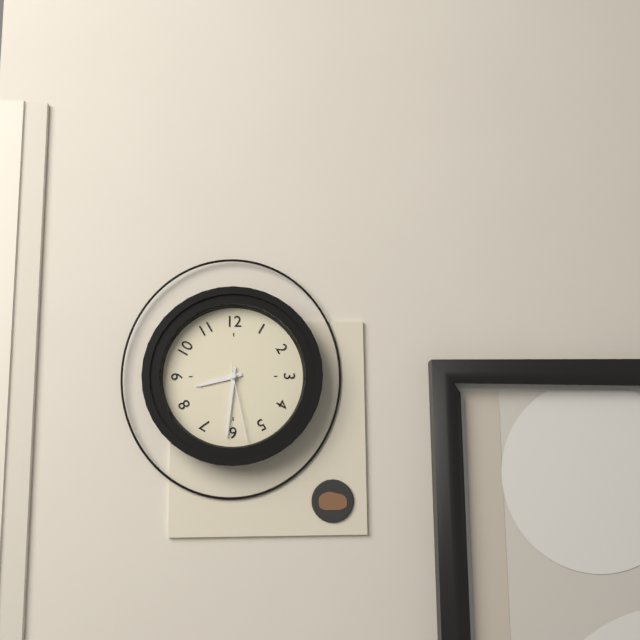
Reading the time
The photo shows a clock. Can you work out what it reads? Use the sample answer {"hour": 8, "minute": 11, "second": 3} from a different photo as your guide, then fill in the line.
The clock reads {"hour": 8, "minute": 31, "second": 28}
